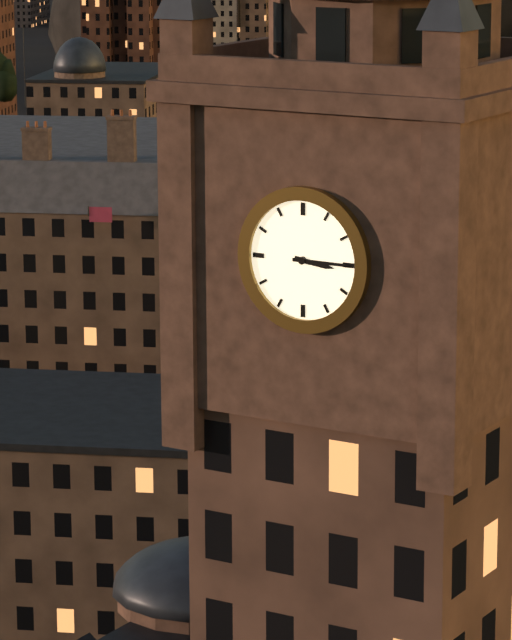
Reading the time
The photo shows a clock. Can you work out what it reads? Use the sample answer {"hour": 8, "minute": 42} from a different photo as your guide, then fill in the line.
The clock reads {"hour": 3, "minute": 15}
